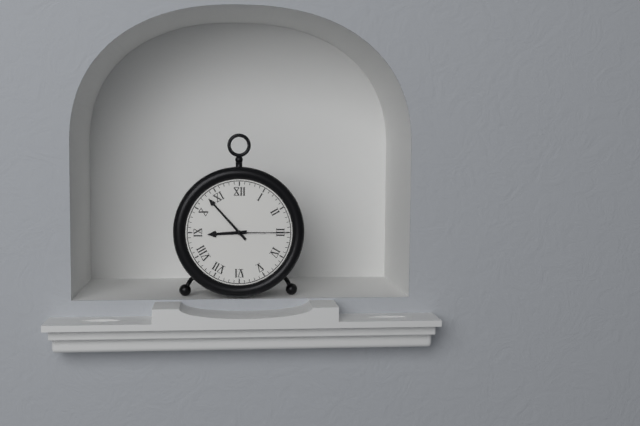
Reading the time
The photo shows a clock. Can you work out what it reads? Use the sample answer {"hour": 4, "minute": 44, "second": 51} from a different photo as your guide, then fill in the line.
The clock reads {"hour": 8, "minute": 53, "second": 15}
